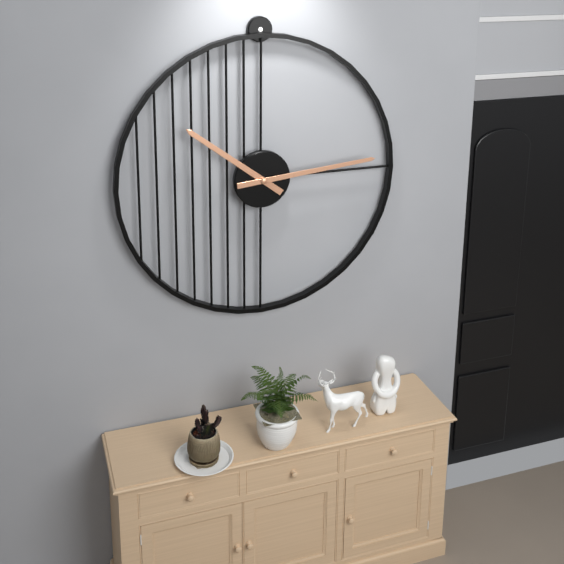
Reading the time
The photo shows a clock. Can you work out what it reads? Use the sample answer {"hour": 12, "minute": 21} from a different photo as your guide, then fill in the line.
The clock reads {"hour": 10, "minute": 14}
